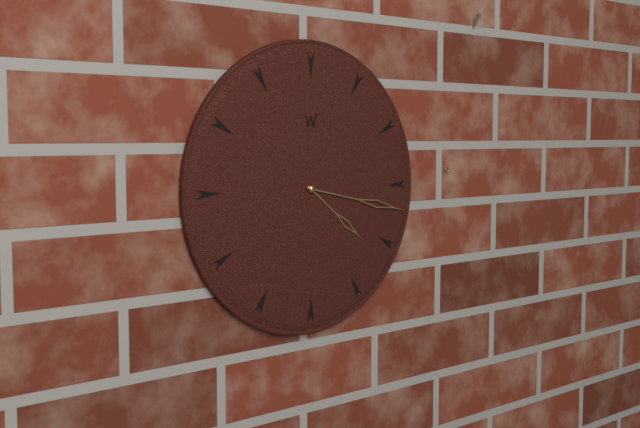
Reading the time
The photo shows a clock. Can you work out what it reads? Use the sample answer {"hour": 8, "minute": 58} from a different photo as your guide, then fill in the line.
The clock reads {"hour": 4, "minute": 17}
